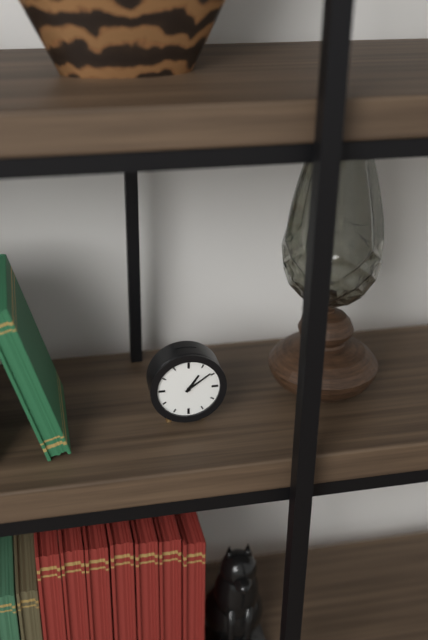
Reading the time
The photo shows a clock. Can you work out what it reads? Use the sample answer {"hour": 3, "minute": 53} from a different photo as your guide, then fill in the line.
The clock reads {"hour": 1, "minute": 9}
